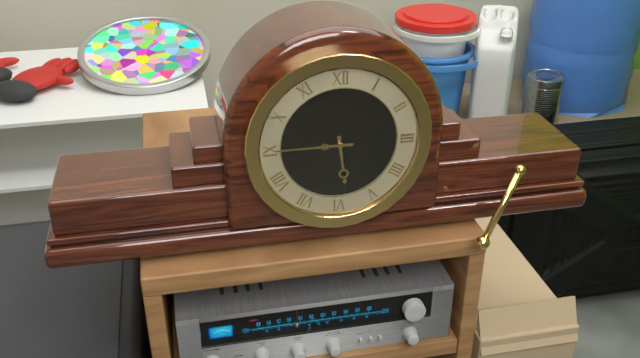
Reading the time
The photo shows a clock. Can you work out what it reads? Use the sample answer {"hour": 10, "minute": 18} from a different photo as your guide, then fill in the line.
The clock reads {"hour": 5, "minute": 45}
